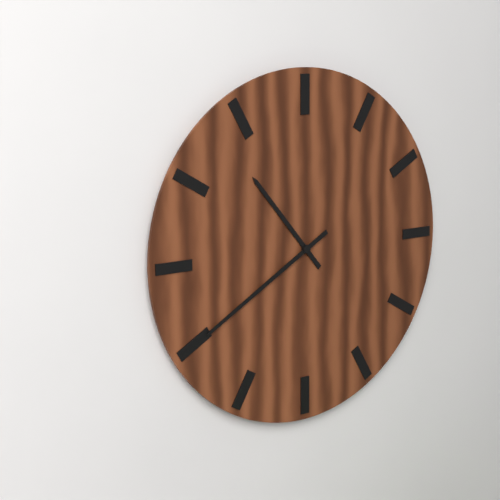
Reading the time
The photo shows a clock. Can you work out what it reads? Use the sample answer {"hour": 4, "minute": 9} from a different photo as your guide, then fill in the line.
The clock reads {"hour": 10, "minute": 40}
